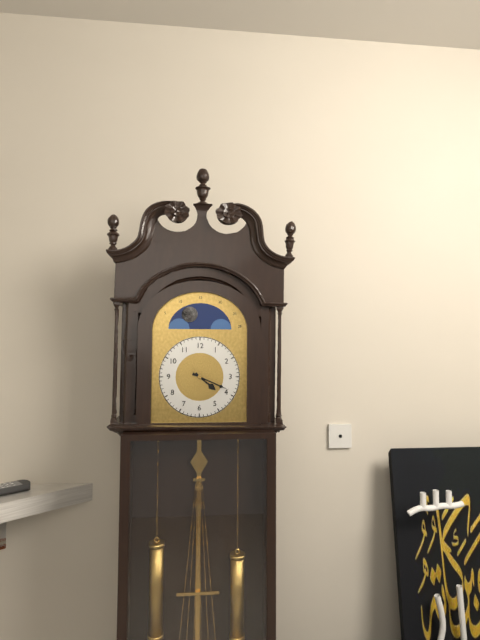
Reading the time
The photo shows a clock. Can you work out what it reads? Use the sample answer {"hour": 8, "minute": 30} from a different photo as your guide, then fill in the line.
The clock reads {"hour": 4, "minute": 19}
